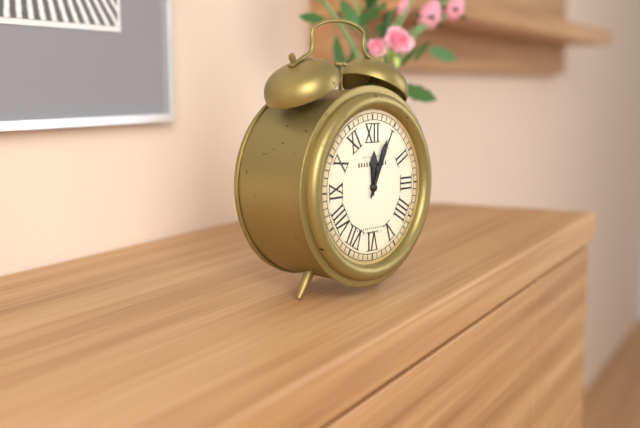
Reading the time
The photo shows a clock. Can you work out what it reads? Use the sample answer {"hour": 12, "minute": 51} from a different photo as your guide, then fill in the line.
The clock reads {"hour": 12, "minute": 4}
